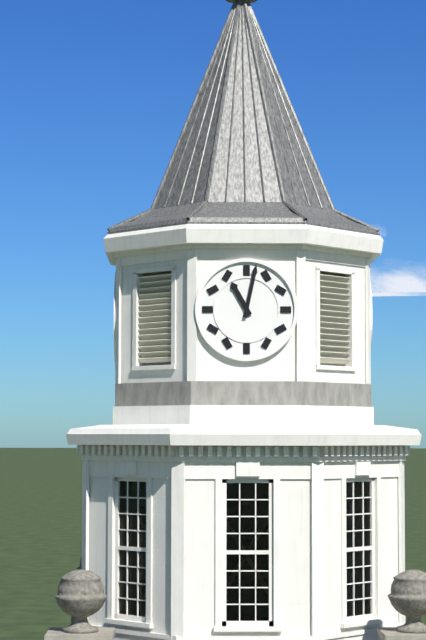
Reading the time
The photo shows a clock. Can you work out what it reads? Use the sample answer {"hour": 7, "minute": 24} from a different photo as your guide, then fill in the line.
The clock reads {"hour": 11, "minute": 2}
